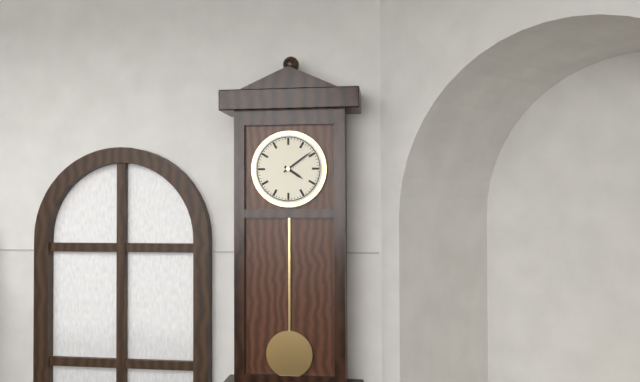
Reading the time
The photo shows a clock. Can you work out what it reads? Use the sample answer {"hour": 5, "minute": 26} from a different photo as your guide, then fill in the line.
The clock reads {"hour": 4, "minute": 9}
